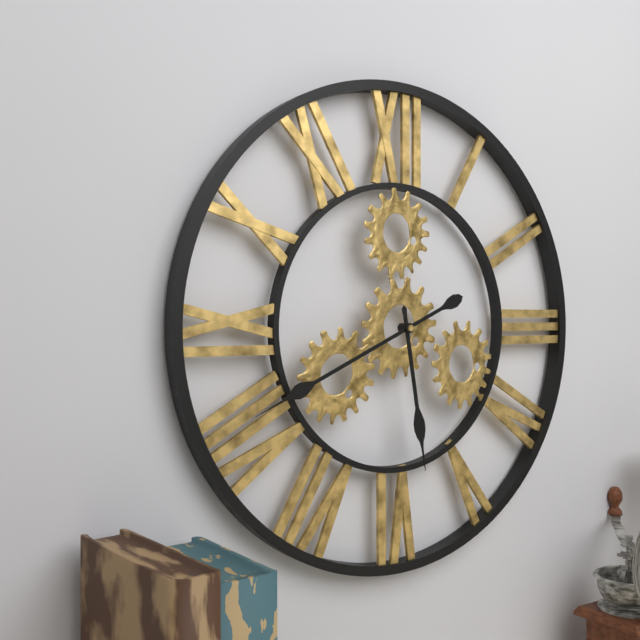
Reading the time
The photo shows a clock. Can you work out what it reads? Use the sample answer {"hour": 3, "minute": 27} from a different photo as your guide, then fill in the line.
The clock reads {"hour": 5, "minute": 41}
